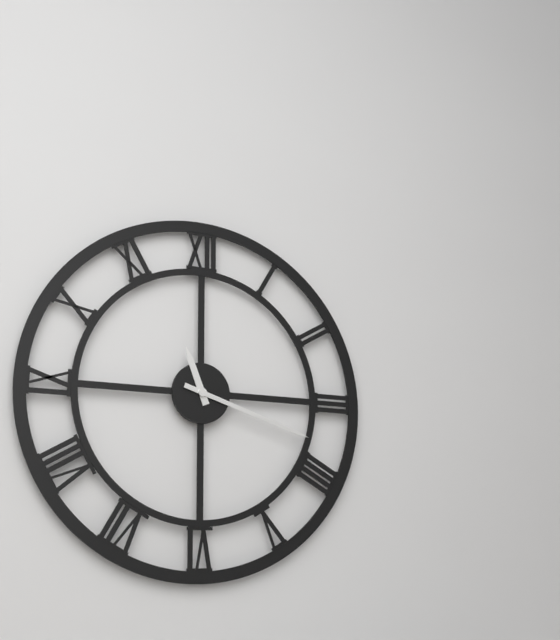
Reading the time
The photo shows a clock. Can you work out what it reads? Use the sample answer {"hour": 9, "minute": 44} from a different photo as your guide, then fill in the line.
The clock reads {"hour": 11, "minute": 18}
